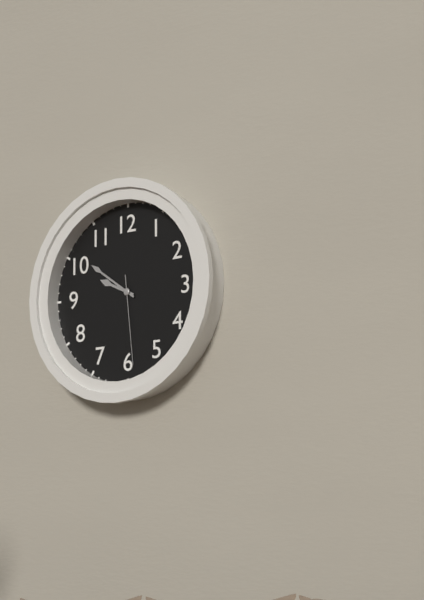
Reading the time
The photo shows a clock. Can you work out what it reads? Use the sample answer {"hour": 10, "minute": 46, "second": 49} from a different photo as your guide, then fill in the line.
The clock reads {"hour": 9, "minute": 51, "second": 29}
